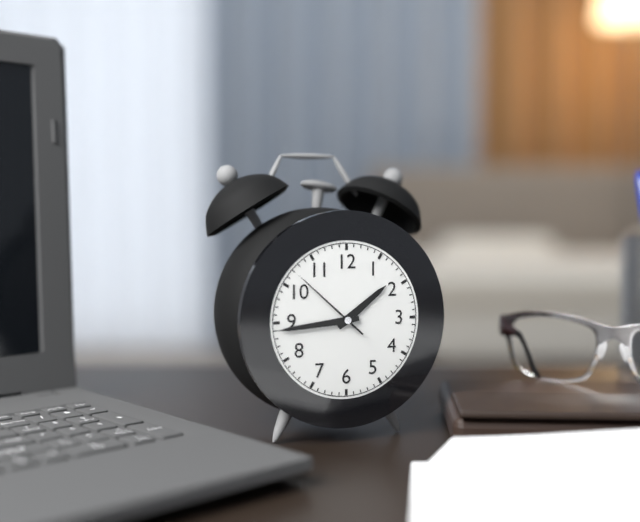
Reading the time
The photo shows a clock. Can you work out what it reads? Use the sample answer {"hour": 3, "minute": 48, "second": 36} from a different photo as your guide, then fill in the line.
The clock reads {"hour": 1, "minute": 44, "second": 52}
